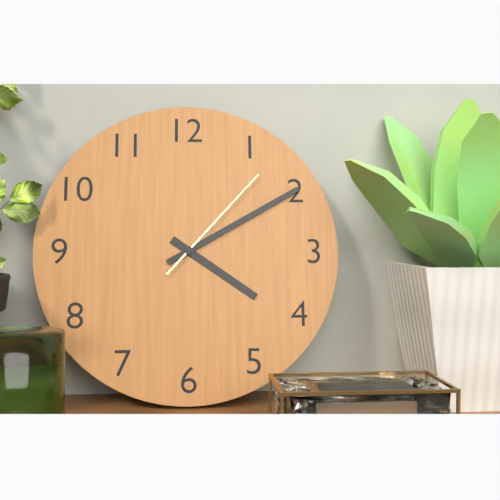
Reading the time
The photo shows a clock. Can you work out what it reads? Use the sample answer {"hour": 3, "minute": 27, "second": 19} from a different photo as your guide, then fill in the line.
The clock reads {"hour": 4, "minute": 10, "second": 7}
